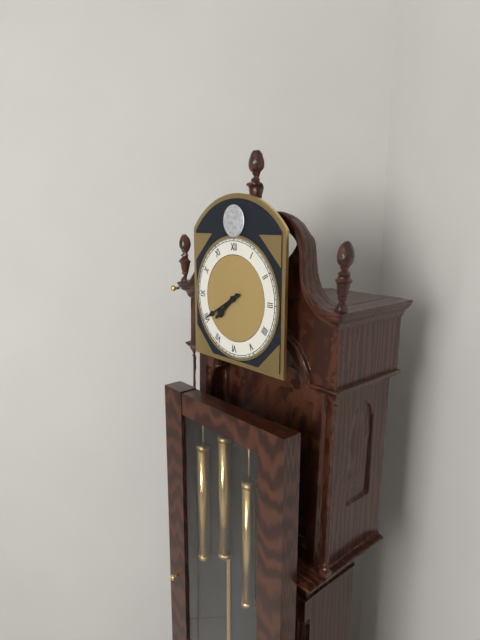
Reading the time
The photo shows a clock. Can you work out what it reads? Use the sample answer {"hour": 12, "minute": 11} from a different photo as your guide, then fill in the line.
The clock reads {"hour": 7, "minute": 40}
